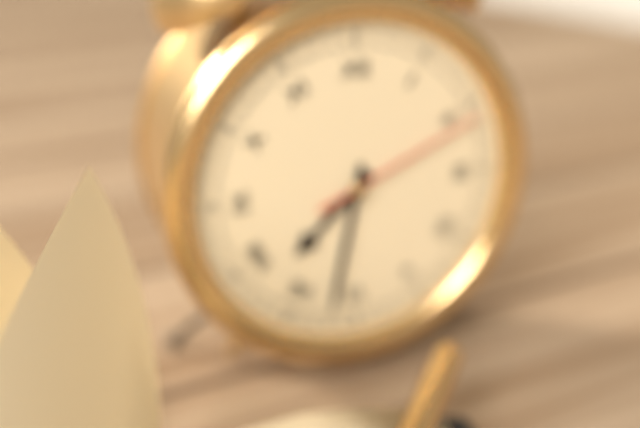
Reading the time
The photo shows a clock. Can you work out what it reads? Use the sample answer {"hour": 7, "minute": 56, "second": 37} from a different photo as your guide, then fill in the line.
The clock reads {"hour": 7, "minute": 32, "second": 11}
